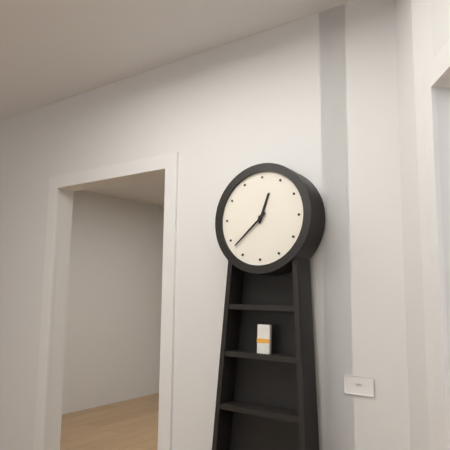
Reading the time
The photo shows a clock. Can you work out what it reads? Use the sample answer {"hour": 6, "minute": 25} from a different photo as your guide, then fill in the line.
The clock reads {"hour": 12, "minute": 38}
